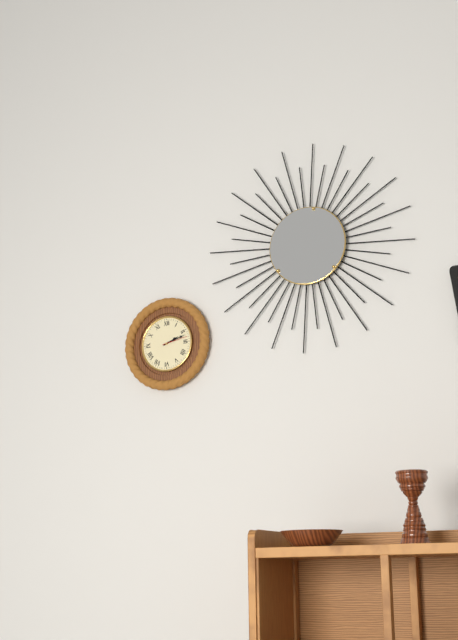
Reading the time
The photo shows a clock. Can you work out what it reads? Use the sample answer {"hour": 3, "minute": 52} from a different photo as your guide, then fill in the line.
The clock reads {"hour": 2, "minute": 12}
